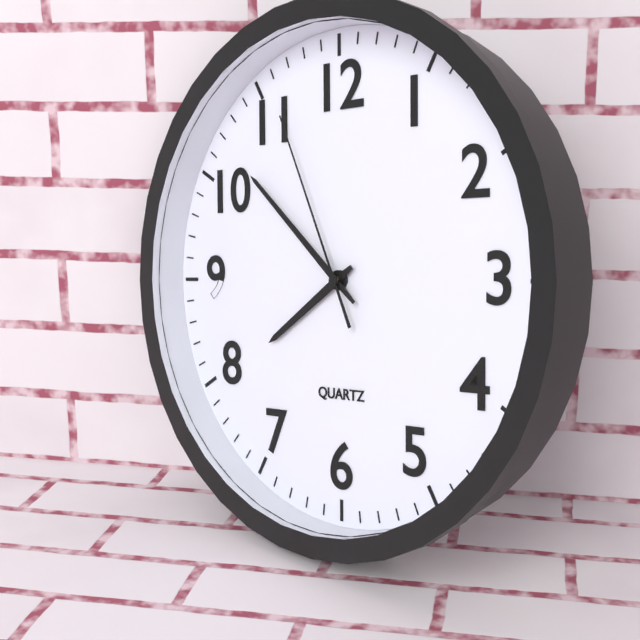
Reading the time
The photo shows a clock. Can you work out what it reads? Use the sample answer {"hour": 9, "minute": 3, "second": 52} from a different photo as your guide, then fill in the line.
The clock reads {"hour": 7, "minute": 52, "second": 56}
